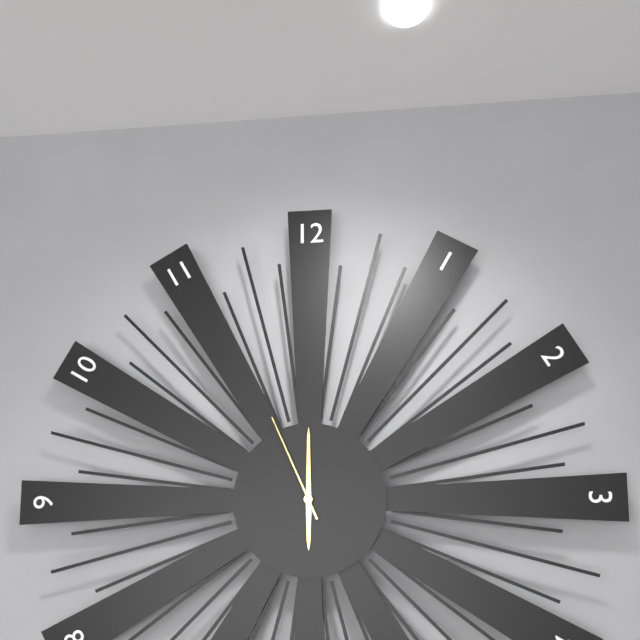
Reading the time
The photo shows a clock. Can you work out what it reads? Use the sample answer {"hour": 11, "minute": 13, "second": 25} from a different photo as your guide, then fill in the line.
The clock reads {"hour": 6, "minute": 0, "second": 56}
